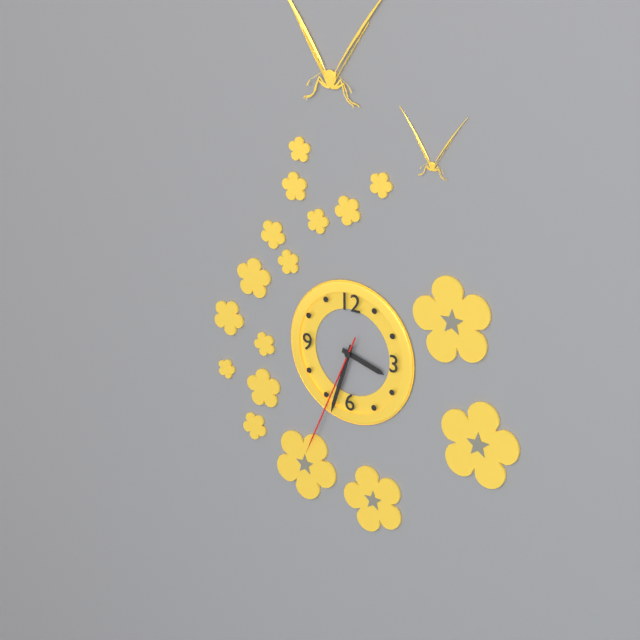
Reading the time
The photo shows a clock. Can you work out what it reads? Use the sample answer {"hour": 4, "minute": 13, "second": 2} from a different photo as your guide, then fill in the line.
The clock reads {"hour": 3, "minute": 33, "second": 34}
